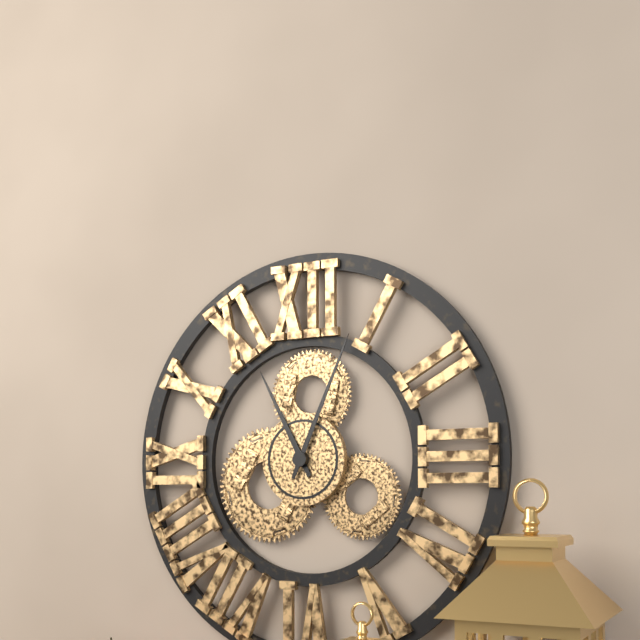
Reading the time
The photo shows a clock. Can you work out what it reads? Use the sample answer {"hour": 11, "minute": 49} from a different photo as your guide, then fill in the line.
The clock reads {"hour": 11, "minute": 4}
